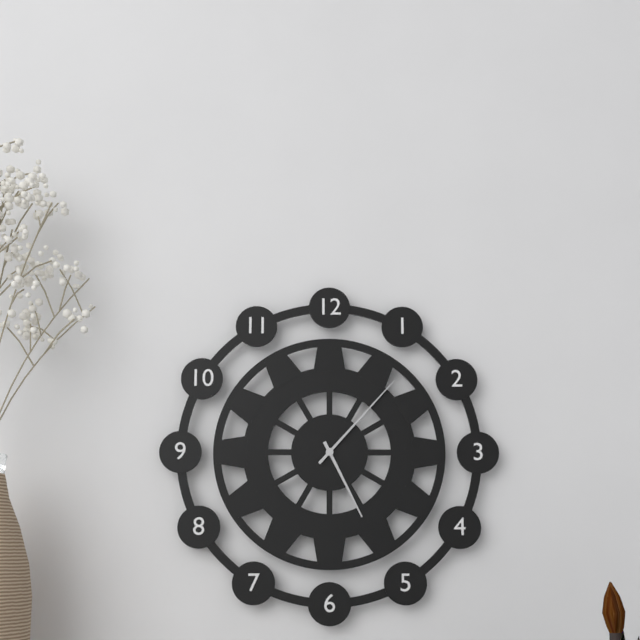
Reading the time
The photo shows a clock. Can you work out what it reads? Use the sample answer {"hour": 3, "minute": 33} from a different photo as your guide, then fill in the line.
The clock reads {"hour": 5, "minute": 7}
